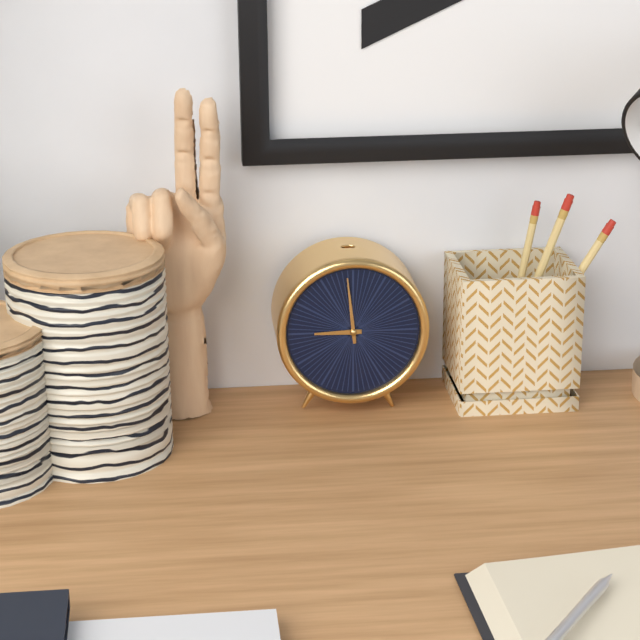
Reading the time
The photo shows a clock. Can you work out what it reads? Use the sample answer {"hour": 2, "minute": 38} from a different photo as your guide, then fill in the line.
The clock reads {"hour": 8, "minute": 59}
